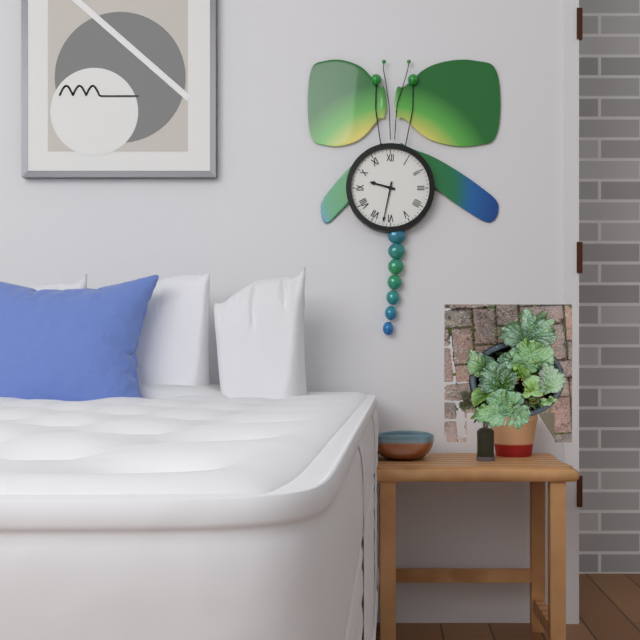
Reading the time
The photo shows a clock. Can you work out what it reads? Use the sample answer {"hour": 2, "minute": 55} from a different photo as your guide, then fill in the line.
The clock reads {"hour": 9, "minute": 32}
